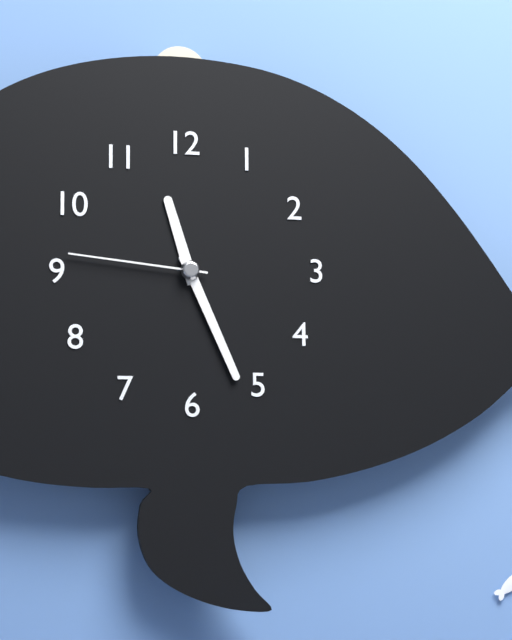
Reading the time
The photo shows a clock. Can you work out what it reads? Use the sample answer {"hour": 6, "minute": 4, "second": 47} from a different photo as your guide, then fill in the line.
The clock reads {"hour": 11, "minute": 26, "second": 46}
